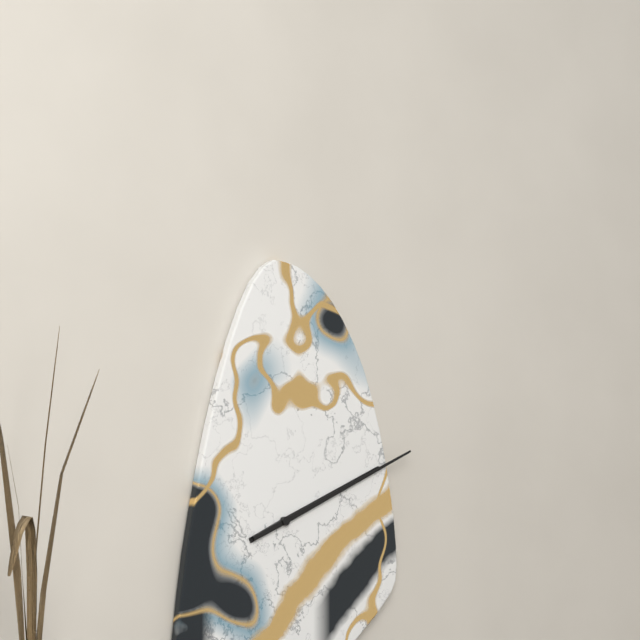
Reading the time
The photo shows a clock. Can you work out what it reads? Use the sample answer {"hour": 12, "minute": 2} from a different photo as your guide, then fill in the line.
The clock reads {"hour": 2, "minute": 11}
